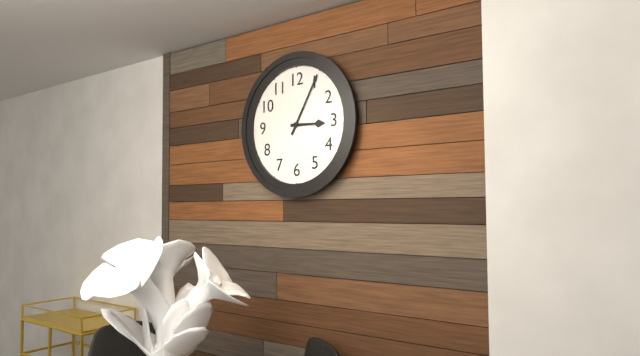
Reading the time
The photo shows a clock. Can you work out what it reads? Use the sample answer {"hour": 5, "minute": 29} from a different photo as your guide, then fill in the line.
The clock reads {"hour": 3, "minute": 5}
